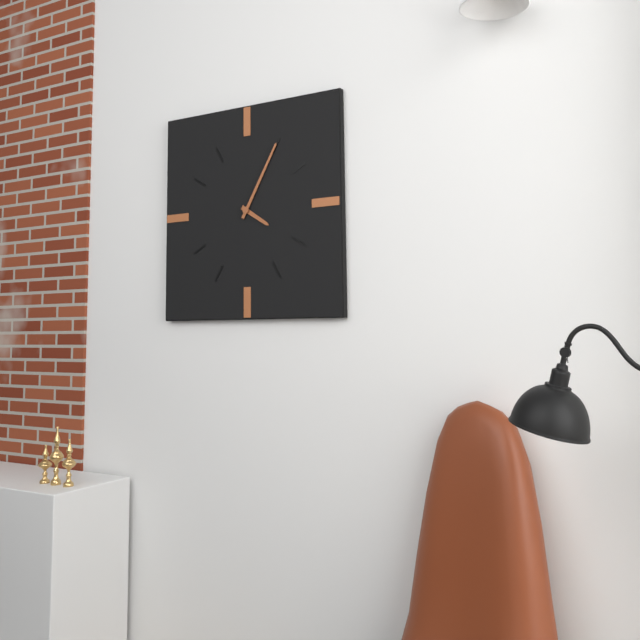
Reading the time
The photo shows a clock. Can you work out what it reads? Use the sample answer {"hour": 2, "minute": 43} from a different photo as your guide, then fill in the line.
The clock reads {"hour": 4, "minute": 5}
